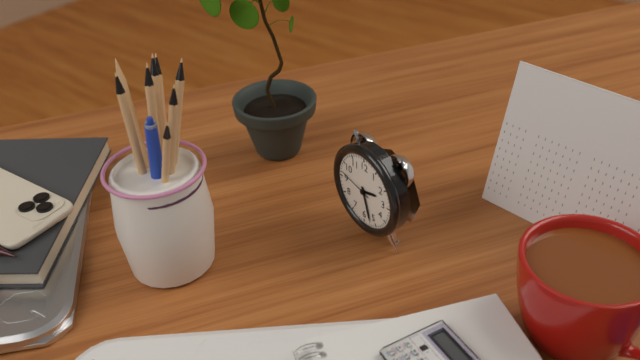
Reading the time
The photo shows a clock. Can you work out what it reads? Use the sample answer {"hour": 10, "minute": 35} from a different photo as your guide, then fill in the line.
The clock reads {"hour": 2, "minute": 27}
